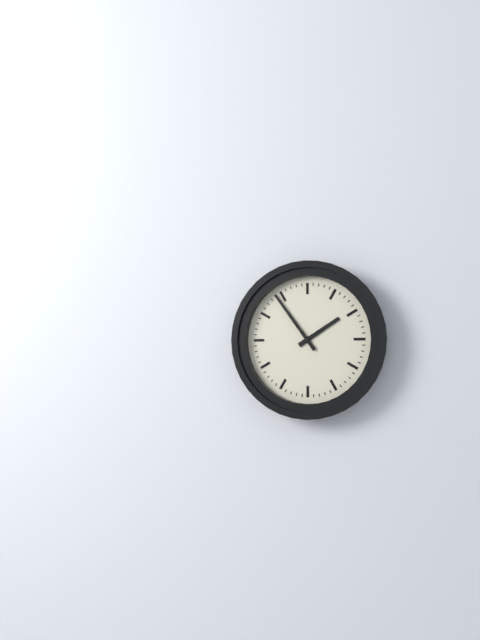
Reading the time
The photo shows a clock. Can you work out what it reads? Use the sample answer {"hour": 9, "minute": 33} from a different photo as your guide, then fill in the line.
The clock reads {"hour": 1, "minute": 54}
